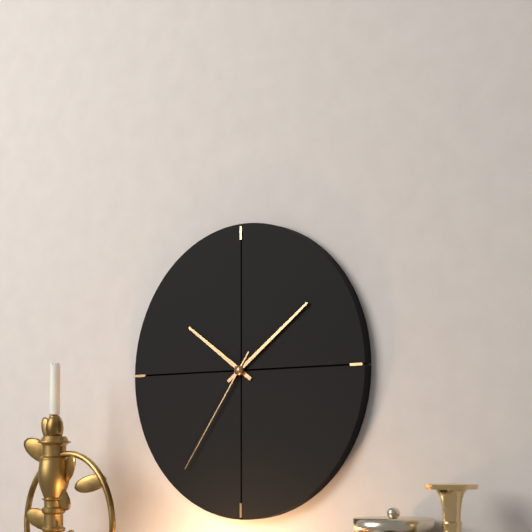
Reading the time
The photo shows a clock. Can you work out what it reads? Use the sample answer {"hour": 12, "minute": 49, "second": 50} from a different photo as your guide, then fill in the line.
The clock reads {"hour": 10, "minute": 9, "second": 36}
